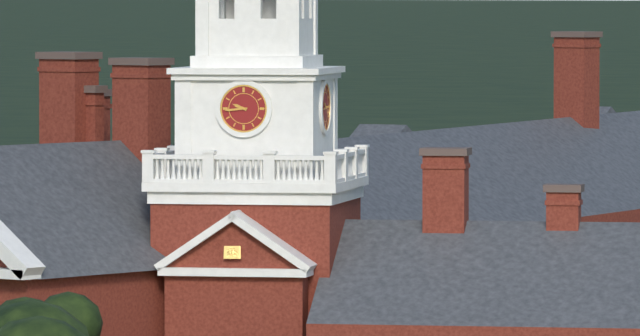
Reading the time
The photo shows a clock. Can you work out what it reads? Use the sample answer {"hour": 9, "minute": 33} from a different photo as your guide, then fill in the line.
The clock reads {"hour": 9, "minute": 44}
